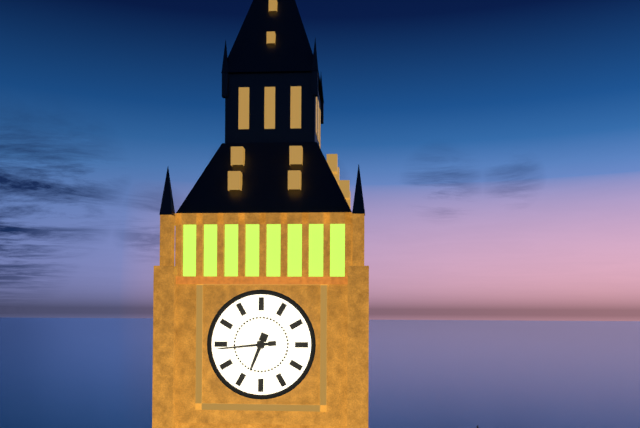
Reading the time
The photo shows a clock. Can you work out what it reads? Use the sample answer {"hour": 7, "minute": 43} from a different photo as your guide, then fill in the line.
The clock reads {"hour": 6, "minute": 44}
